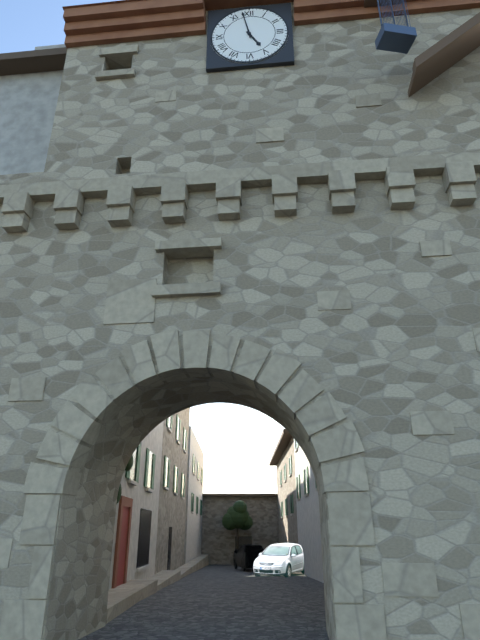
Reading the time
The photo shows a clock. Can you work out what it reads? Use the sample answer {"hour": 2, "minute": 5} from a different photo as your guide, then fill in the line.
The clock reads {"hour": 4, "minute": 58}
